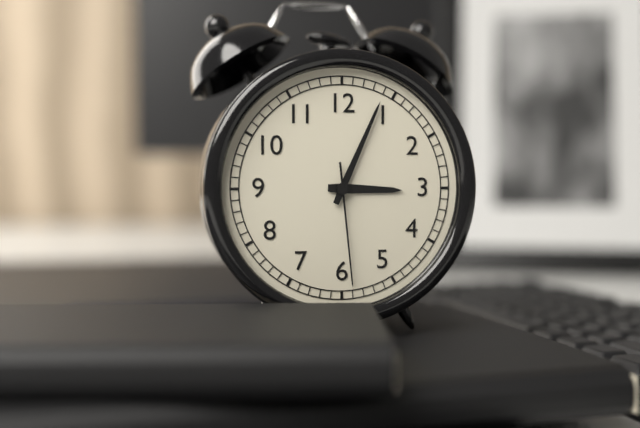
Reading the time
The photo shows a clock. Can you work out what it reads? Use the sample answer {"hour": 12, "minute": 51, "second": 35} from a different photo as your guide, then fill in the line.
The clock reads {"hour": 3, "minute": 4, "second": 29}
